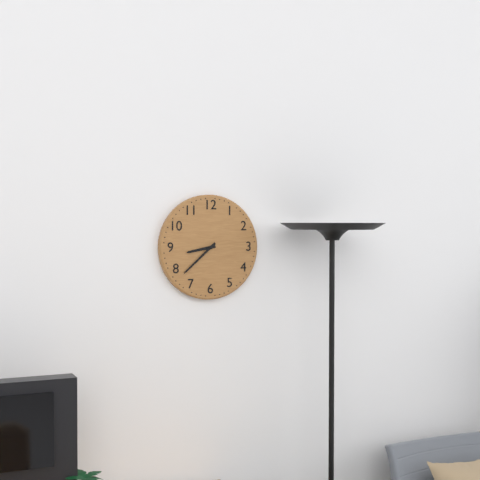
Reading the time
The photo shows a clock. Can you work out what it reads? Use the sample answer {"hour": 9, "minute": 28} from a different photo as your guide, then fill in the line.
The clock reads {"hour": 8, "minute": 38}
